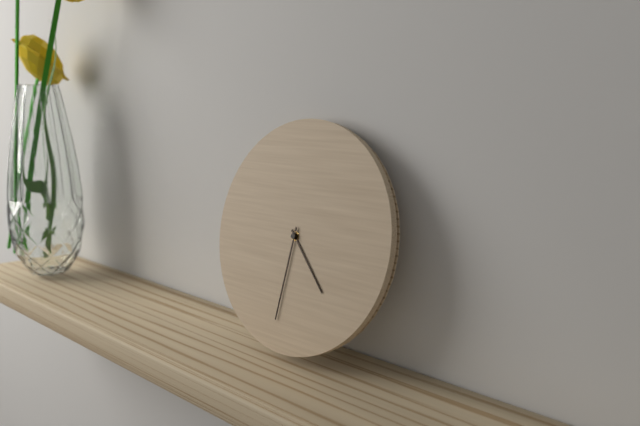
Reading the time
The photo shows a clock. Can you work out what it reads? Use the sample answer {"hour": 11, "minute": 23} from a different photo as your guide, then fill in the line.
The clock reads {"hour": 4, "minute": 31}
